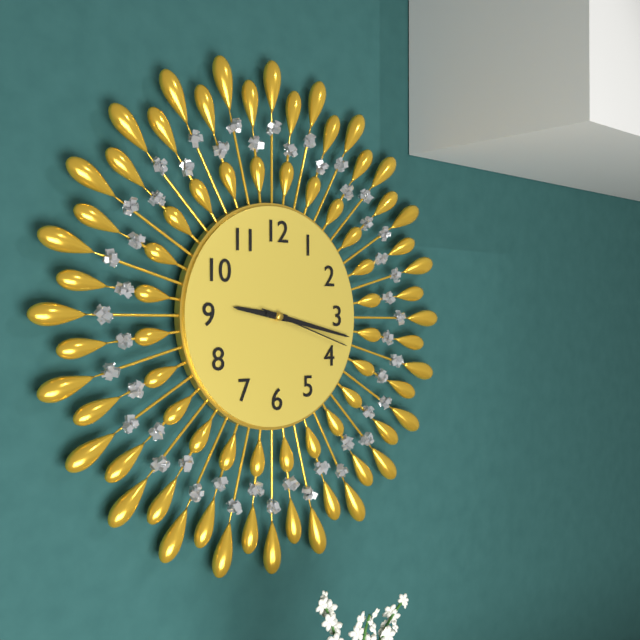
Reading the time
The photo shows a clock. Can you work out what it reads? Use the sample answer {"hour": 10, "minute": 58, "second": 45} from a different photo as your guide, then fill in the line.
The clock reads {"hour": 9, "minute": 17, "second": 18}
